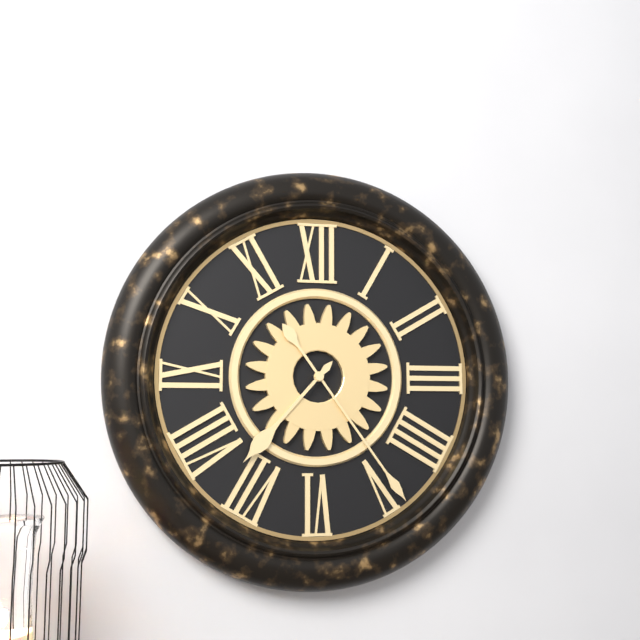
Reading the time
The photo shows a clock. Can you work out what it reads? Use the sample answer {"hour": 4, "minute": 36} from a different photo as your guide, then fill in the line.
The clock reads {"hour": 7, "minute": 24}
